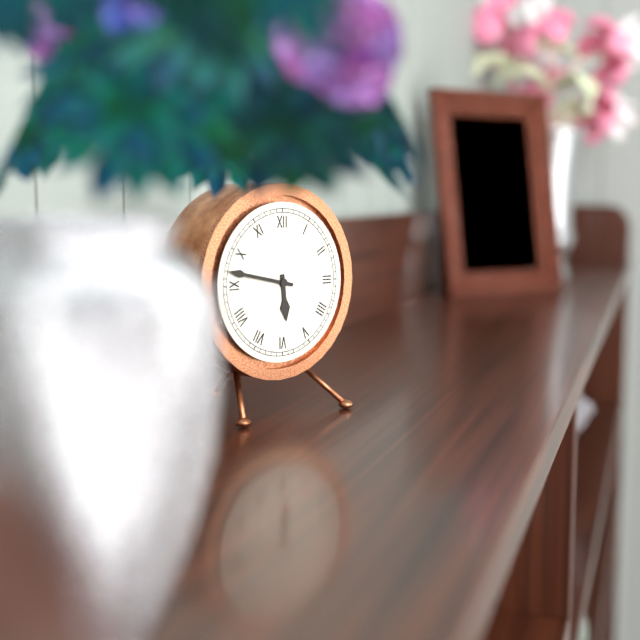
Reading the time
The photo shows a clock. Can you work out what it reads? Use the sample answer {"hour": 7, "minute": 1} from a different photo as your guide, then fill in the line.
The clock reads {"hour": 5, "minute": 47}
